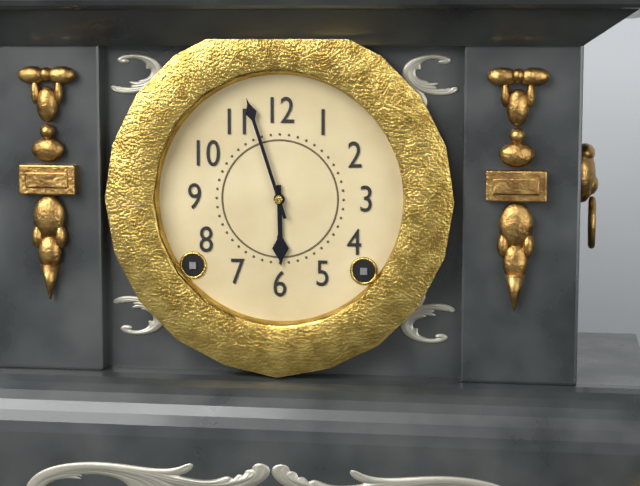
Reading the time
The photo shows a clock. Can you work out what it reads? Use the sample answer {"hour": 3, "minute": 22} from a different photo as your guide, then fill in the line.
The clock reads {"hour": 5, "minute": 57}
